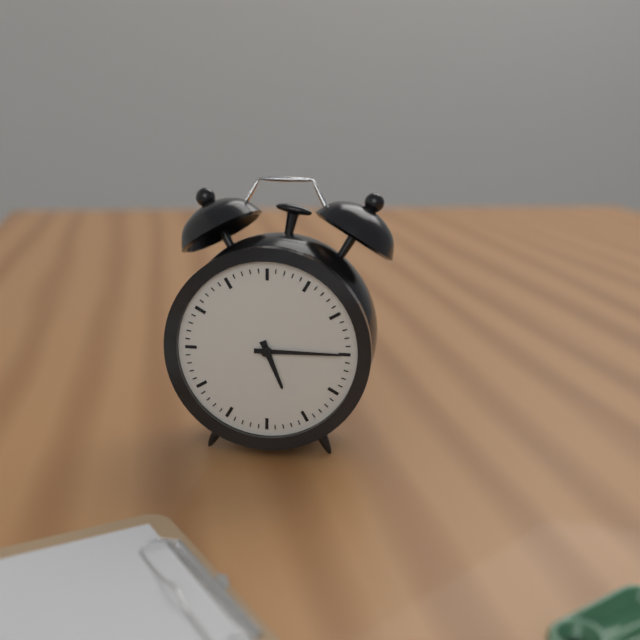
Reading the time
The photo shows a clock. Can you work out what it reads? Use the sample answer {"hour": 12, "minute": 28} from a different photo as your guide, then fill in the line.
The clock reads {"hour": 5, "minute": 15}
